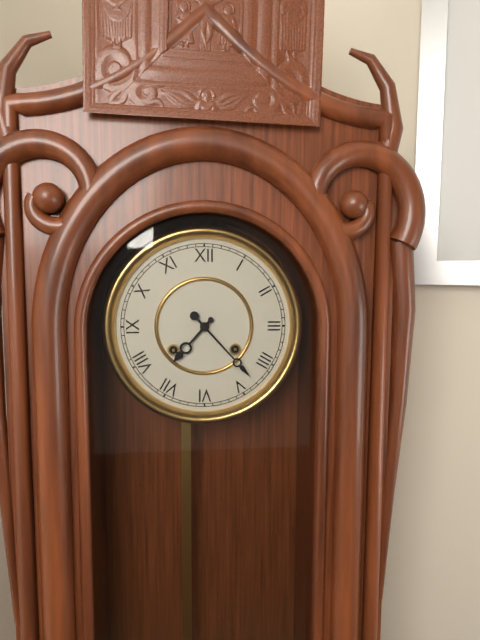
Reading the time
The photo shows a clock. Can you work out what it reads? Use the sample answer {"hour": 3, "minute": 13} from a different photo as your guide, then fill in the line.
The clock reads {"hour": 7, "minute": 23}
